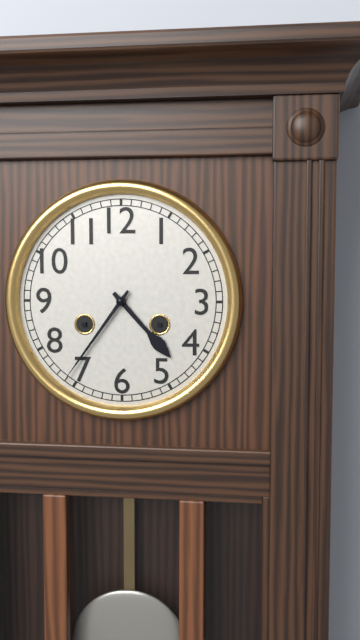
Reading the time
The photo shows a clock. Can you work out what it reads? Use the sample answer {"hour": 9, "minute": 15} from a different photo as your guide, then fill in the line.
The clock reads {"hour": 4, "minute": 36}
